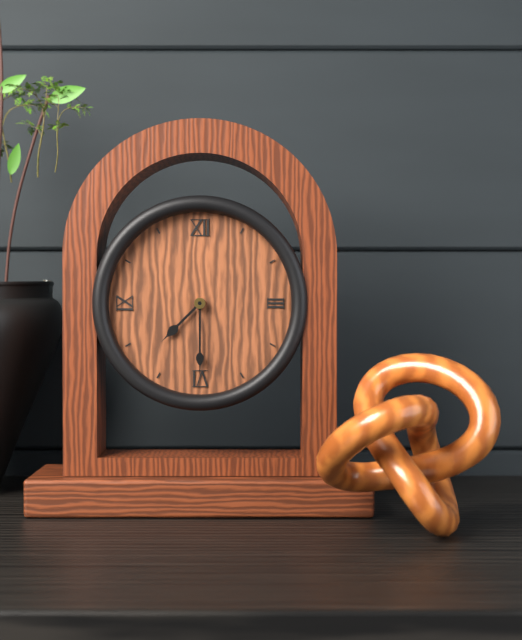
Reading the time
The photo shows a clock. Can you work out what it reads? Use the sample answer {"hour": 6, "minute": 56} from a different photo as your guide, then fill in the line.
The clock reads {"hour": 7, "minute": 30}
